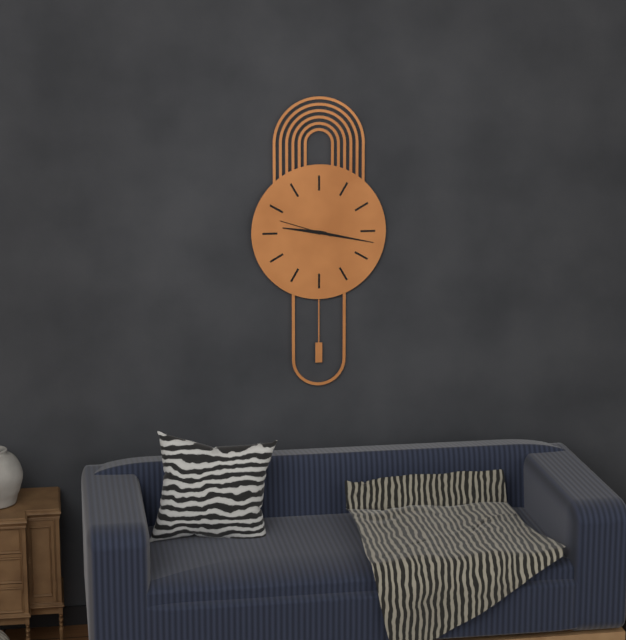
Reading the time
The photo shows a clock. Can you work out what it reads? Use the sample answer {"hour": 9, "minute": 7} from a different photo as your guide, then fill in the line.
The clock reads {"hour": 9, "minute": 17}
